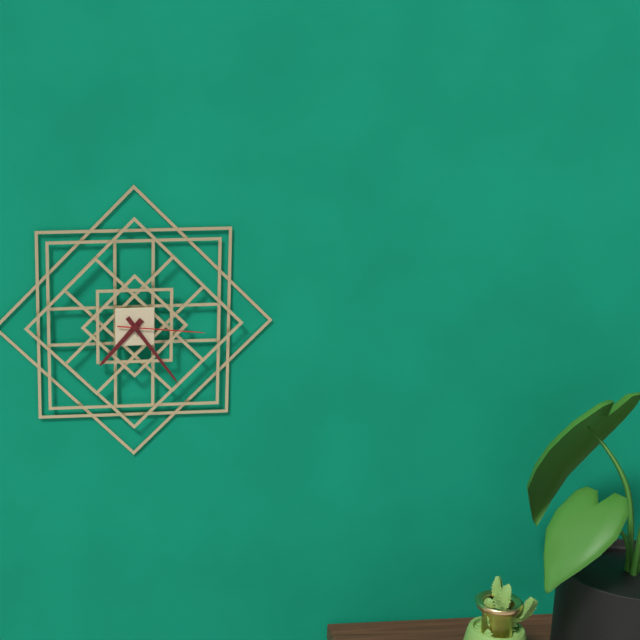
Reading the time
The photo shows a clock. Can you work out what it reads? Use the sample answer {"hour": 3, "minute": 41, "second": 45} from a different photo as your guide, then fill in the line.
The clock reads {"hour": 7, "minute": 24, "second": 16}
